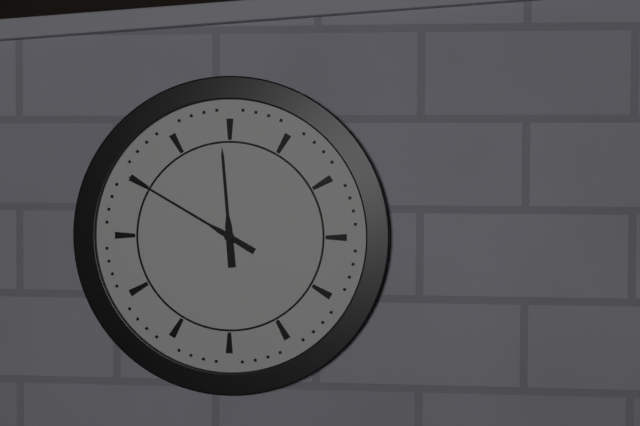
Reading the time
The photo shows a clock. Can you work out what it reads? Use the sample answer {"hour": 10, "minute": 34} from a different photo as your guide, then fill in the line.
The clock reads {"hour": 11, "minute": 50}
